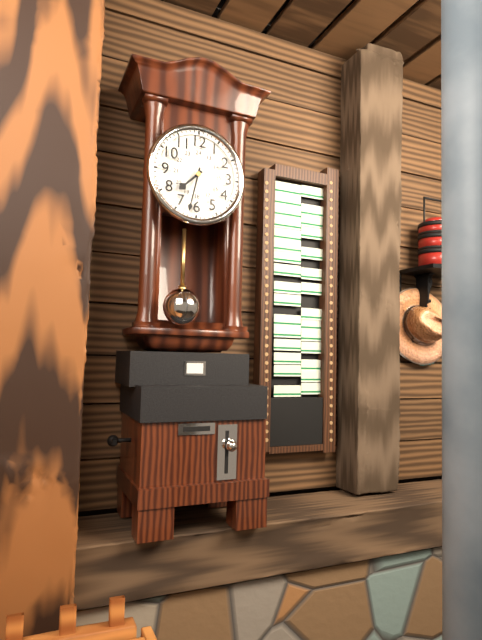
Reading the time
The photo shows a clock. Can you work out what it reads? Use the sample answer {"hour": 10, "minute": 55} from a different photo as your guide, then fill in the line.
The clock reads {"hour": 7, "minute": 32}
